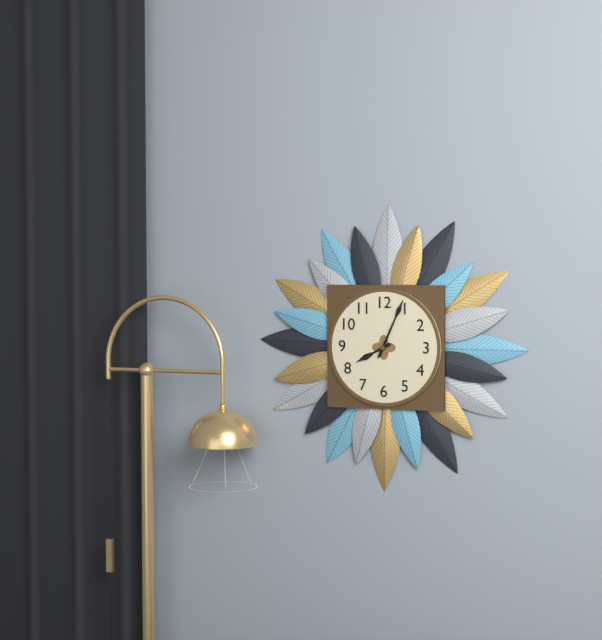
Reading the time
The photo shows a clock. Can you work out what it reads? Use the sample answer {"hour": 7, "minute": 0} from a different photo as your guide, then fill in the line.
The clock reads {"hour": 8, "minute": 4}
